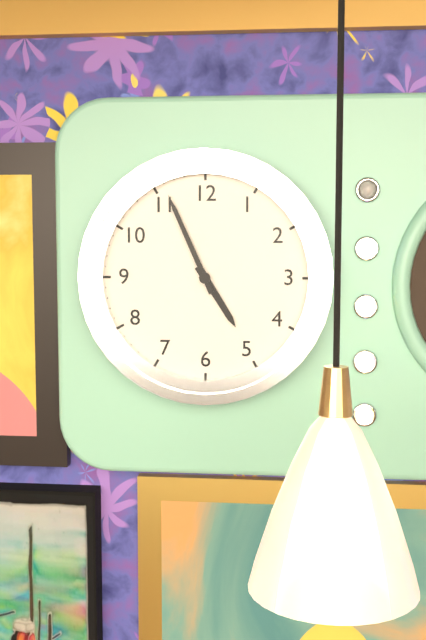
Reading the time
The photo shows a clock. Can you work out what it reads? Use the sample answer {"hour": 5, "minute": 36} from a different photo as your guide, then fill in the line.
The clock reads {"hour": 4, "minute": 56}
